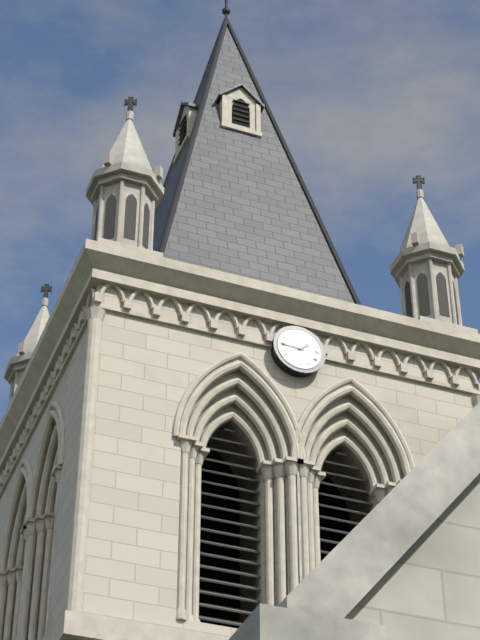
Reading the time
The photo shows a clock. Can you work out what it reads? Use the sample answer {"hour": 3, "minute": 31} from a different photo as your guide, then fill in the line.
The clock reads {"hour": 1, "minute": 46}
